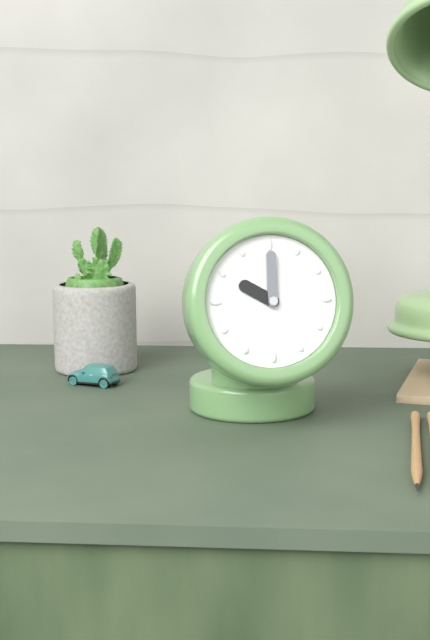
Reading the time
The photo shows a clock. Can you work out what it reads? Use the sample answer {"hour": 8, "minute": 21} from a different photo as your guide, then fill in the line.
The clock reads {"hour": 10, "minute": 0}
